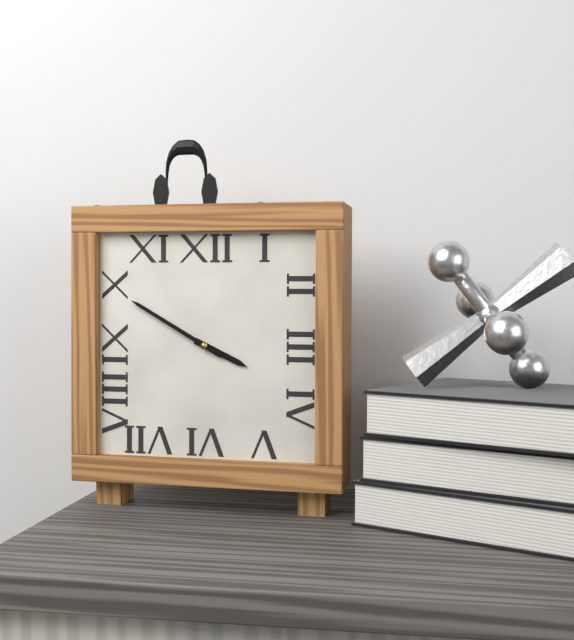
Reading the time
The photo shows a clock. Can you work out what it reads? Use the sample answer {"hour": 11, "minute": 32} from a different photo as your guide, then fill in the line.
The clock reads {"hour": 3, "minute": 50}
